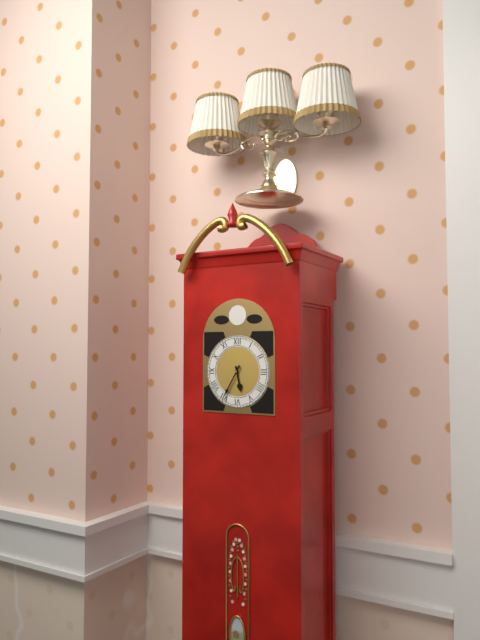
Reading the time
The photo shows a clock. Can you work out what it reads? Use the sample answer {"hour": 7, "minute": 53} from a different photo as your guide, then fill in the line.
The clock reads {"hour": 5, "minute": 35}
